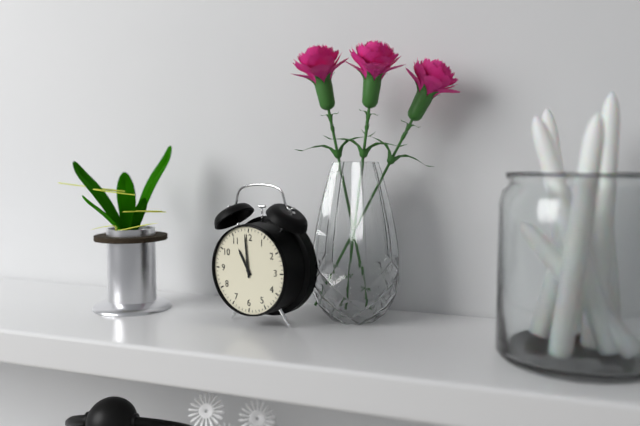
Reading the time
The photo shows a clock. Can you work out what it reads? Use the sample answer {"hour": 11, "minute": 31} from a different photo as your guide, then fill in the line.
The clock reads {"hour": 10, "minute": 59}
